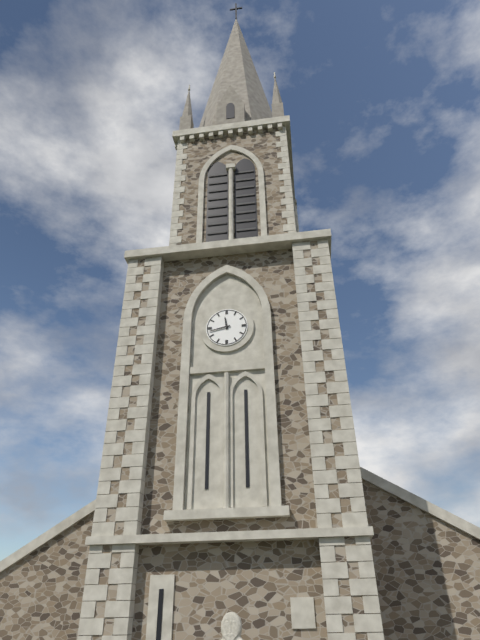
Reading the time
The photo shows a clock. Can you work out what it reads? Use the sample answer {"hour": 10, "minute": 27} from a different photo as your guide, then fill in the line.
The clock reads {"hour": 11, "minute": 43}
